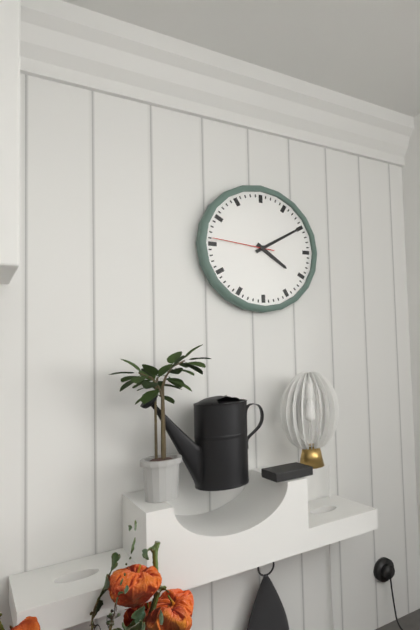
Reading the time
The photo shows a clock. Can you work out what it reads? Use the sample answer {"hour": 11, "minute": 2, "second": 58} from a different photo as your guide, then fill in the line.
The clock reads {"hour": 4, "minute": 10, "second": 46}
